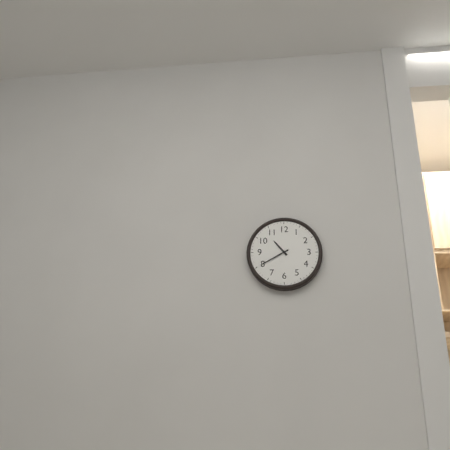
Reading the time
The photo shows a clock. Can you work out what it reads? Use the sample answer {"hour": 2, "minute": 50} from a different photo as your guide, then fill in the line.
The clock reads {"hour": 10, "minute": 40}
